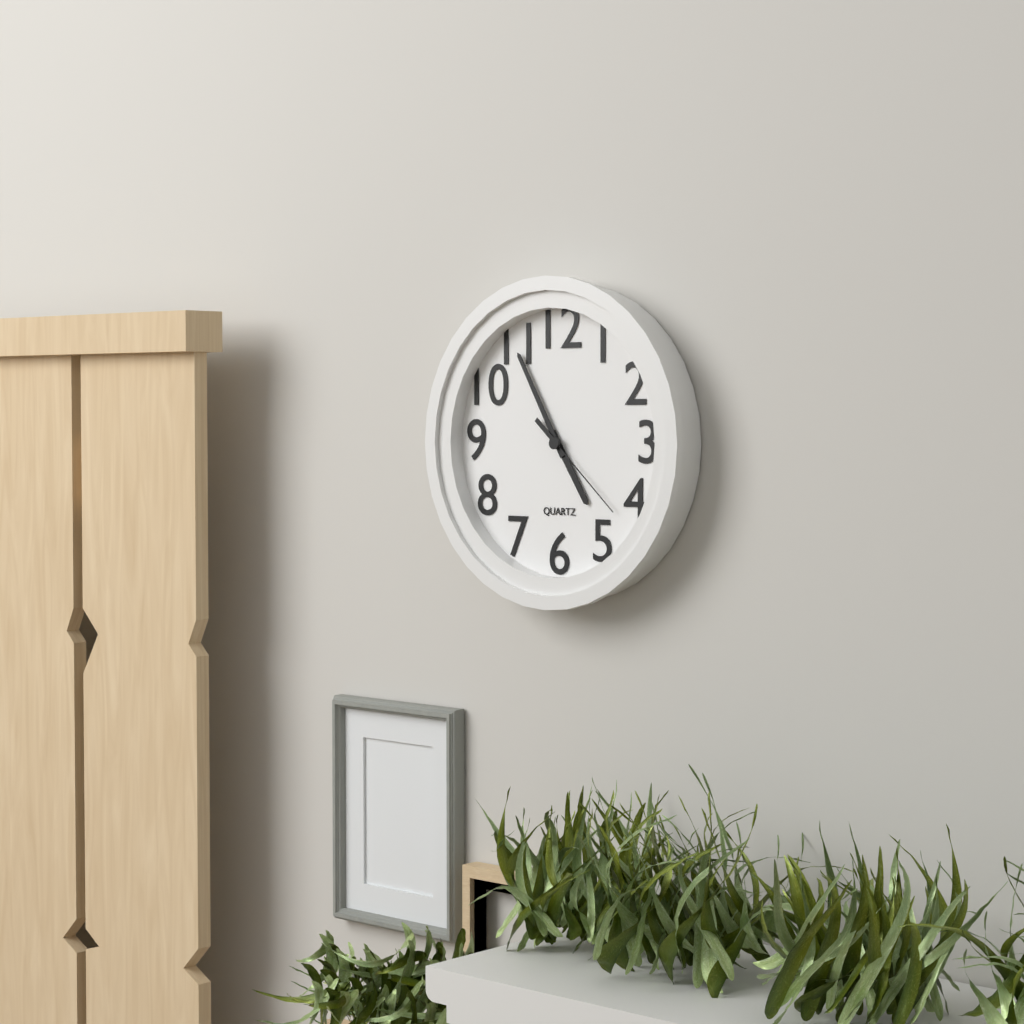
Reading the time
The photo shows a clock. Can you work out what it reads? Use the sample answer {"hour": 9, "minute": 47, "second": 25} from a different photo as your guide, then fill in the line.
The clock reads {"hour": 4, "minute": 55, "second": 22}
